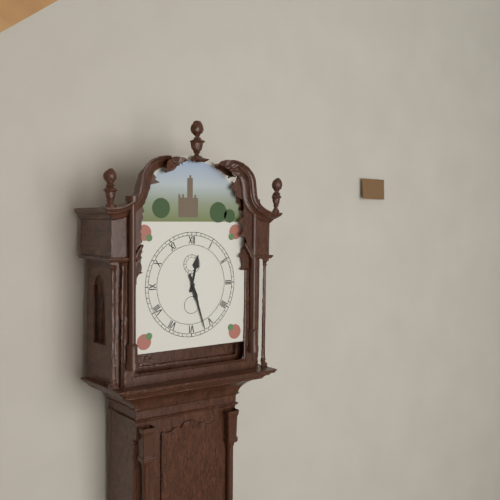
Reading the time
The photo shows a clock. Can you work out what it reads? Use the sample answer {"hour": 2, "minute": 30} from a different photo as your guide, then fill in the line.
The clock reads {"hour": 12, "minute": 27}
